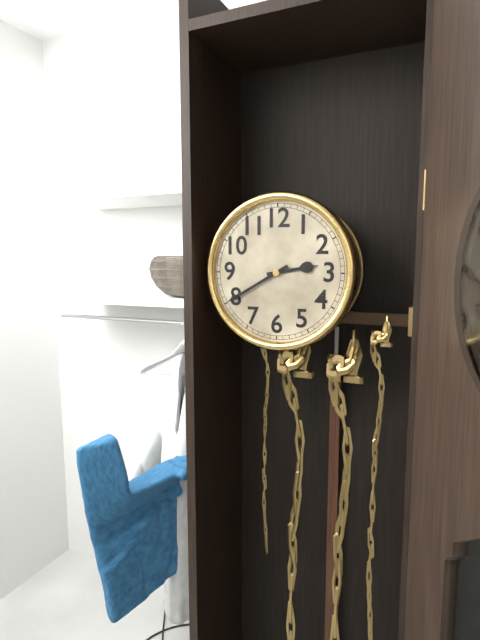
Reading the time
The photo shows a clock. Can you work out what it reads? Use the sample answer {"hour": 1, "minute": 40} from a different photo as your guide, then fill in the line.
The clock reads {"hour": 2, "minute": 40}
